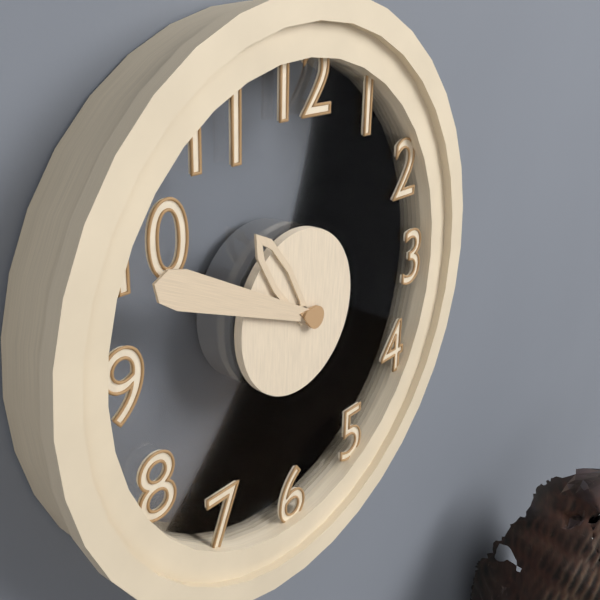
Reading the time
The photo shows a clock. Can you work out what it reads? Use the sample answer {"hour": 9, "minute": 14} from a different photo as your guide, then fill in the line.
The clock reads {"hour": 10, "minute": 49}
